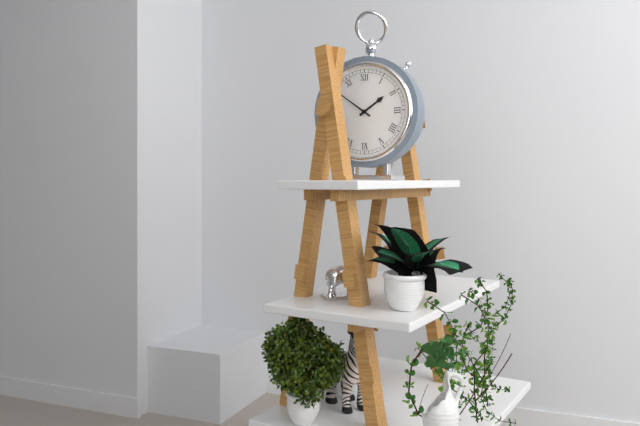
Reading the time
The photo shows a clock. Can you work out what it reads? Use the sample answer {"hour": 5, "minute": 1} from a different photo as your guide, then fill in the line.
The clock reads {"hour": 1, "minute": 51}
